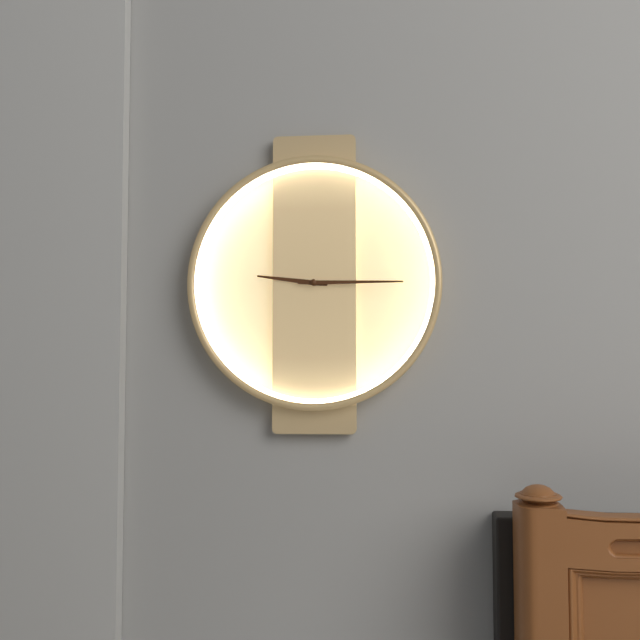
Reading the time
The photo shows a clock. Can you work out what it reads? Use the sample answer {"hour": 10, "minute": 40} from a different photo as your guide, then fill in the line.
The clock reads {"hour": 9, "minute": 15}
